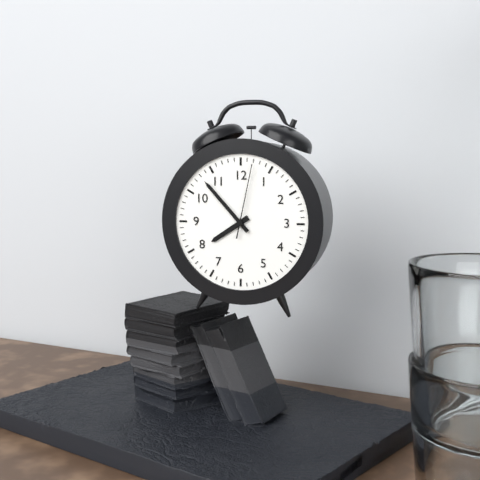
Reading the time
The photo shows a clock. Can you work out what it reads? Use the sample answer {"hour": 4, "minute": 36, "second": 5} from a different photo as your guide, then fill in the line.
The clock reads {"hour": 7, "minute": 53, "second": 2}
